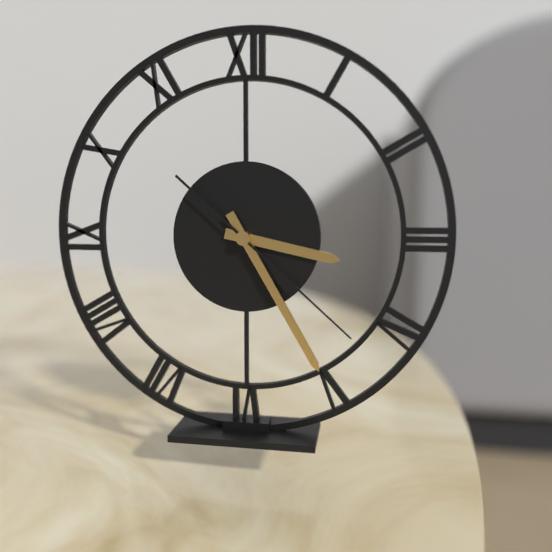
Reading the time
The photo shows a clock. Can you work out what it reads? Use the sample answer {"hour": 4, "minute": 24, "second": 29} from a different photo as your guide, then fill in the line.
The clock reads {"hour": 3, "minute": 25, "second": 22}
